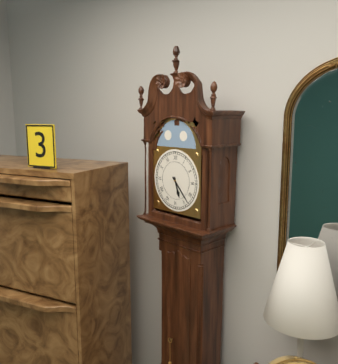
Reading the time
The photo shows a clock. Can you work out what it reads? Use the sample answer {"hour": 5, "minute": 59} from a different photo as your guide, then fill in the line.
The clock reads {"hour": 5, "minute": 23}
